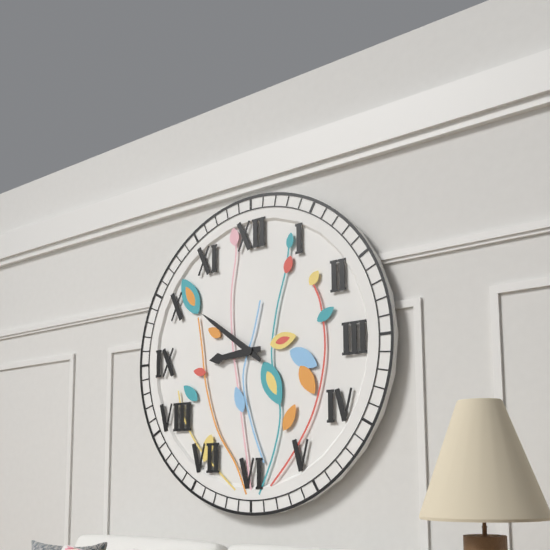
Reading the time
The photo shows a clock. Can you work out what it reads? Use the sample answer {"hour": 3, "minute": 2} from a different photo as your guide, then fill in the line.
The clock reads {"hour": 8, "minute": 51}
